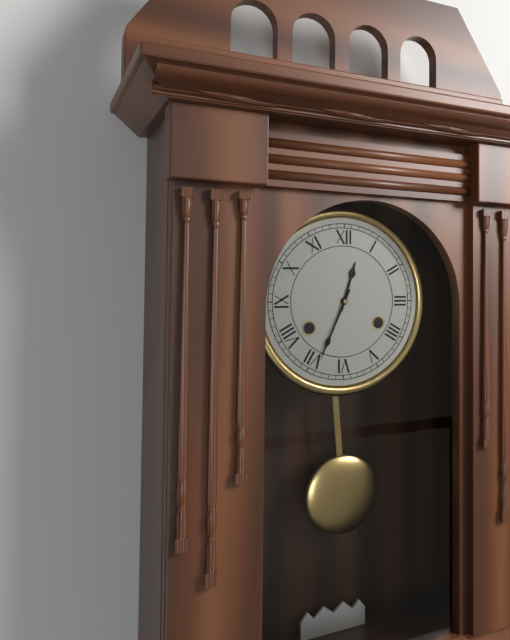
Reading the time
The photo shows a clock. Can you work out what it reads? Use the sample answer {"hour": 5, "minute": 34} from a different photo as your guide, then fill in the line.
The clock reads {"hour": 12, "minute": 34}
